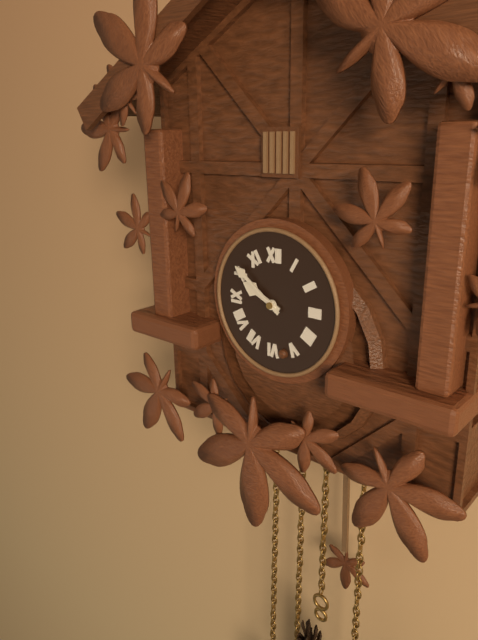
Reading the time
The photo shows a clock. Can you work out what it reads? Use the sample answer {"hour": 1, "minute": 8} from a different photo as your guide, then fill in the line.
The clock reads {"hour": 9, "minute": 51}
